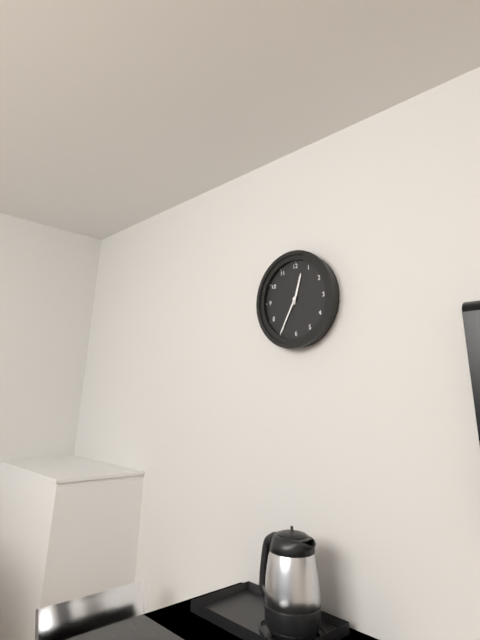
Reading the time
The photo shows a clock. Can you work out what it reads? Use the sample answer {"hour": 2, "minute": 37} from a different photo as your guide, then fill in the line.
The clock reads {"hour": 12, "minute": 35}
